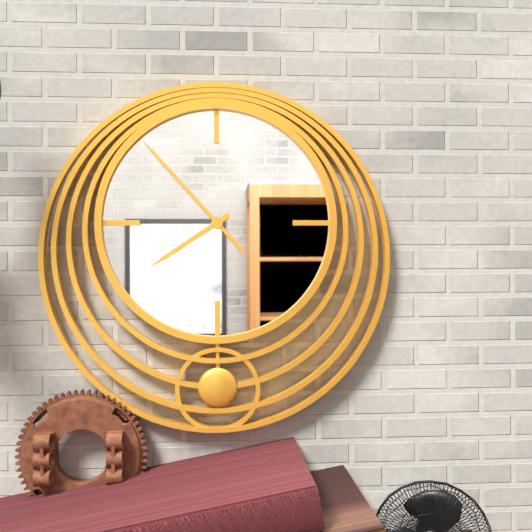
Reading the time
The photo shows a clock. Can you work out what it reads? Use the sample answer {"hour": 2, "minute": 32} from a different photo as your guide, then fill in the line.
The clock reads {"hour": 7, "minute": 53}
